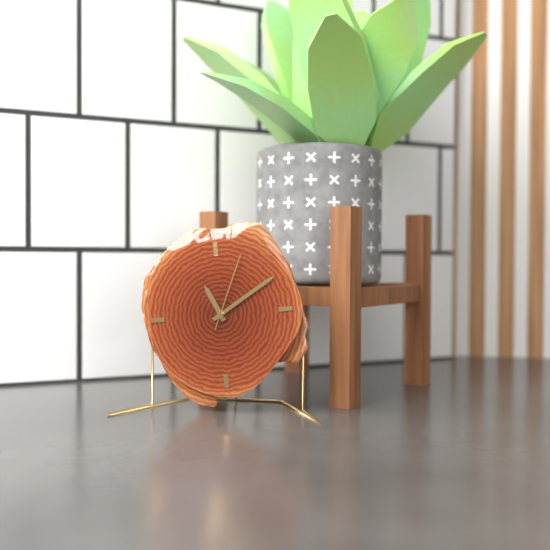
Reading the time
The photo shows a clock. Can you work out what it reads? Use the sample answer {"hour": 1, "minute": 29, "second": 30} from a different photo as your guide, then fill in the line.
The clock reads {"hour": 11, "minute": 10, "second": 4}
